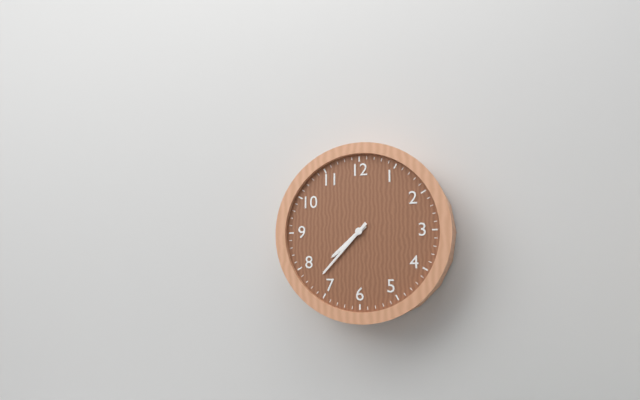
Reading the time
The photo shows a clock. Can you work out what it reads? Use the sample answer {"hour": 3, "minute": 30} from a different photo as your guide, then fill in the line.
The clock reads {"hour": 7, "minute": 37}
